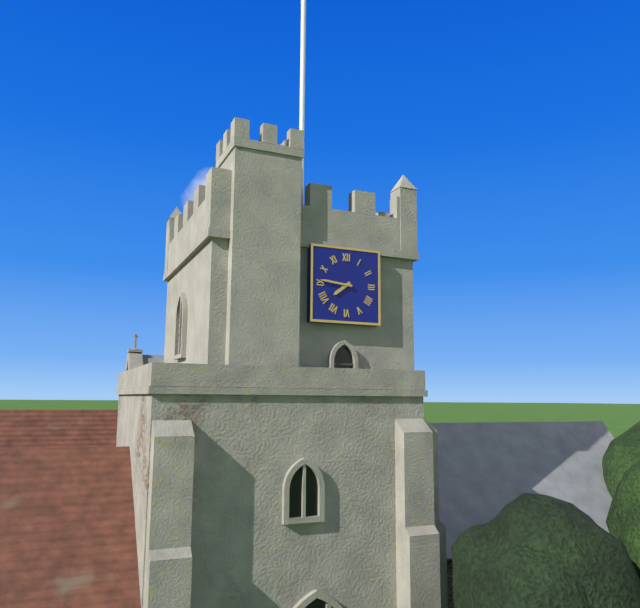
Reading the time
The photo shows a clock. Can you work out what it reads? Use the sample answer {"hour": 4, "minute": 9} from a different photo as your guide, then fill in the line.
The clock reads {"hour": 7, "minute": 46}
